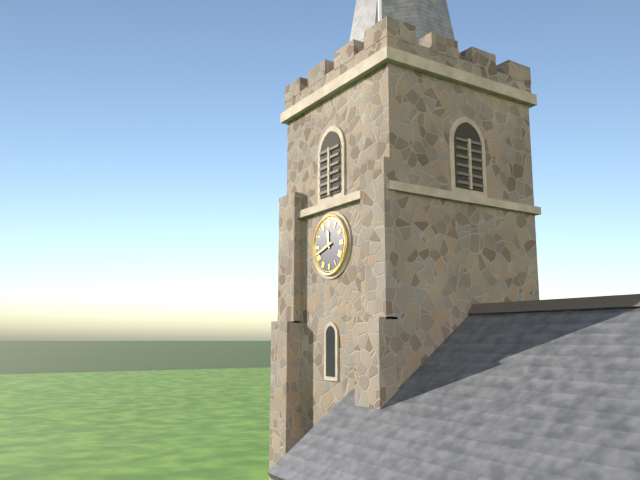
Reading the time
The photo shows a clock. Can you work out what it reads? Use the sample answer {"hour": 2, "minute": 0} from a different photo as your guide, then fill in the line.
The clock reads {"hour": 11, "minute": 42}
